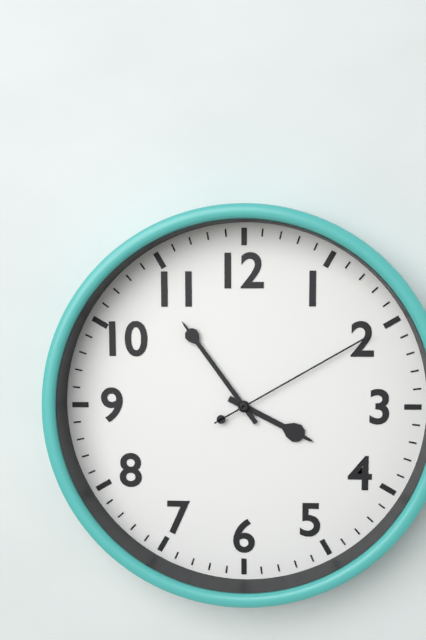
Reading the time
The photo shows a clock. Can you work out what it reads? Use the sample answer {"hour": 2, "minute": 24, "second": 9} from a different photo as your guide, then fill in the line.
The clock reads {"hour": 3, "minute": 54, "second": 10}
